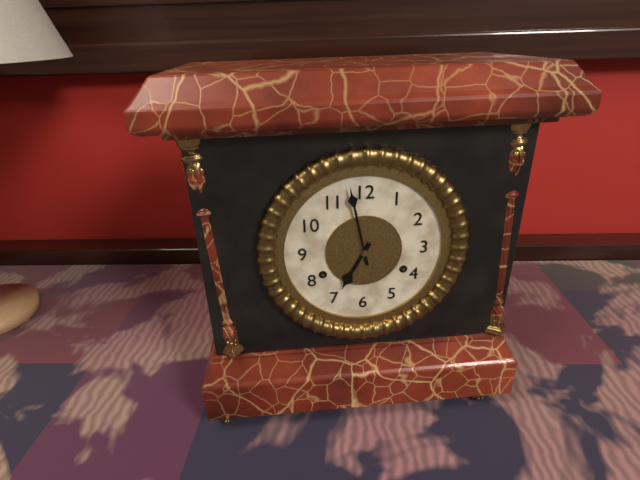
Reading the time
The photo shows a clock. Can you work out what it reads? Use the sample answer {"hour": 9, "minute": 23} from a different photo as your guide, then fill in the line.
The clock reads {"hour": 6, "minute": 58}
